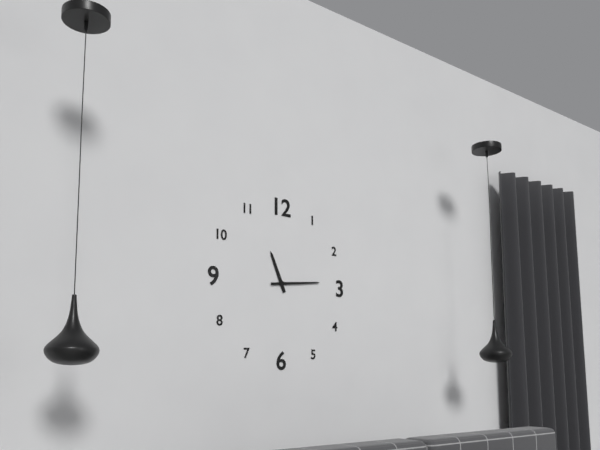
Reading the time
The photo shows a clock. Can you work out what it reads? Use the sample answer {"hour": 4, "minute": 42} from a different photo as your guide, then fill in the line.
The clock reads {"hour": 11, "minute": 14}
